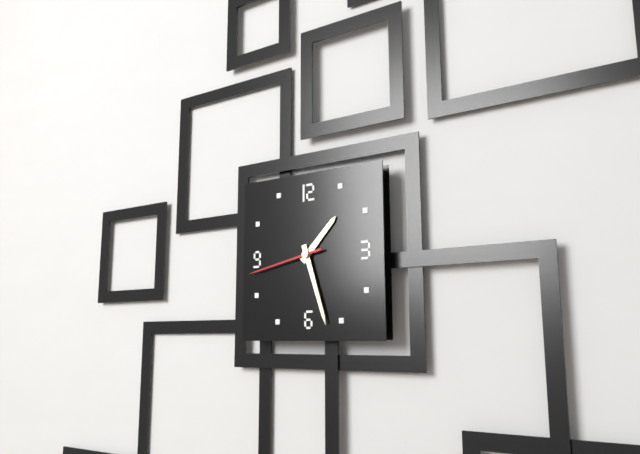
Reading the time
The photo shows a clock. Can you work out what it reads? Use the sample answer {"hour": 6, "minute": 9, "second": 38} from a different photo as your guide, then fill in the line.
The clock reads {"hour": 1, "minute": 27, "second": 43}
